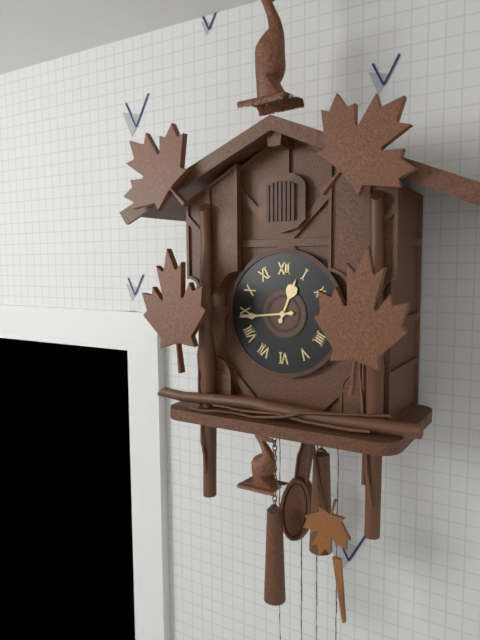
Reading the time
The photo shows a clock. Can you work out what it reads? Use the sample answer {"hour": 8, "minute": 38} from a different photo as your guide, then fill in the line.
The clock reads {"hour": 12, "minute": 44}
